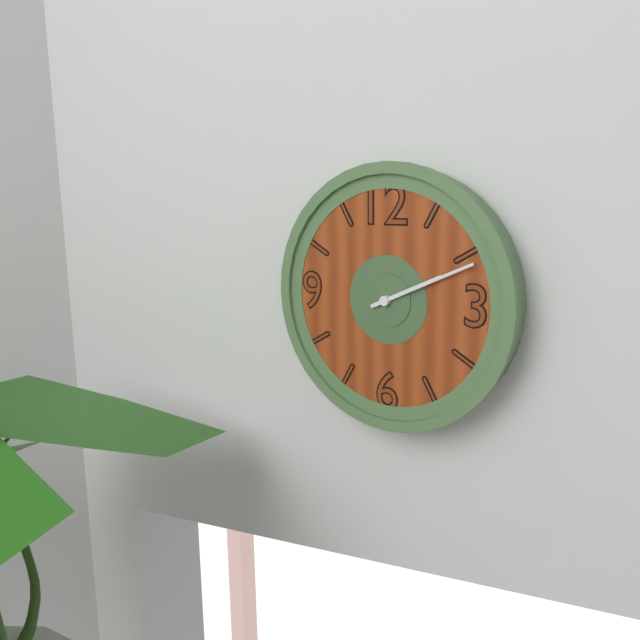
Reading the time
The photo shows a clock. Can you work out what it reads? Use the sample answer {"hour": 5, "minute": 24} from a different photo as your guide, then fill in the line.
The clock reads {"hour": 2, "minute": 11}
